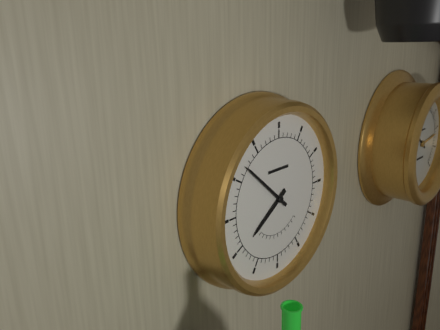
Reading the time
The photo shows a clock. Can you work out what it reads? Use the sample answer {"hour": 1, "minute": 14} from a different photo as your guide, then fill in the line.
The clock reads {"hour": 7, "minute": 52}
